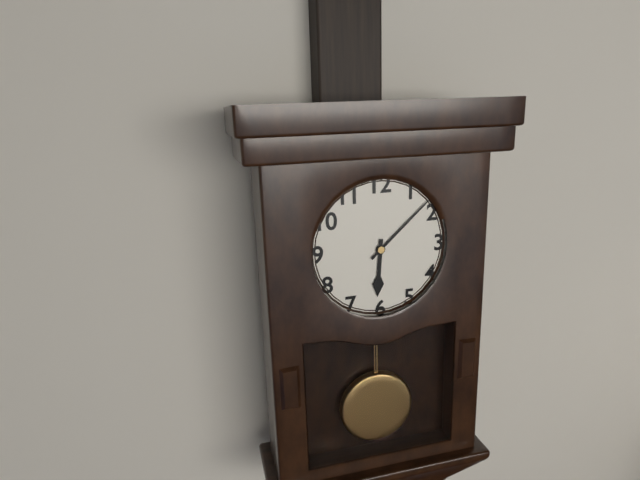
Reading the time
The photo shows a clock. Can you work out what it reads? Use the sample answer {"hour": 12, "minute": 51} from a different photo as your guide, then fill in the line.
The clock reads {"hour": 6, "minute": 8}
